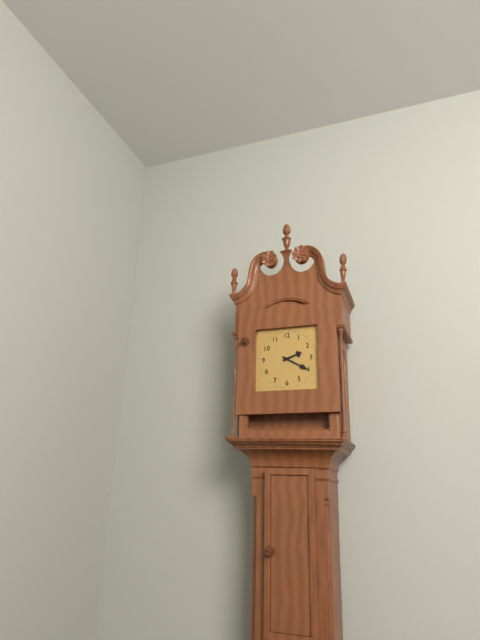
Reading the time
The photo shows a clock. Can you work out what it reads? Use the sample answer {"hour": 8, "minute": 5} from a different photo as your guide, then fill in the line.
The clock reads {"hour": 2, "minute": 20}
